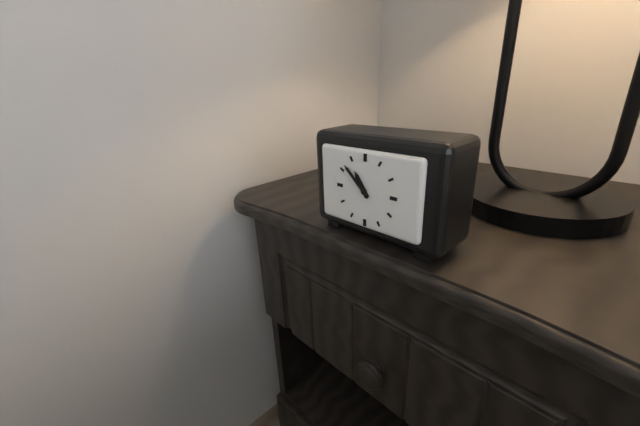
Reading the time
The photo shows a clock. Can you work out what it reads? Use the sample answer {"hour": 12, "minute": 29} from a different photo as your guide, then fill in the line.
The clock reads {"hour": 10, "minute": 52}
